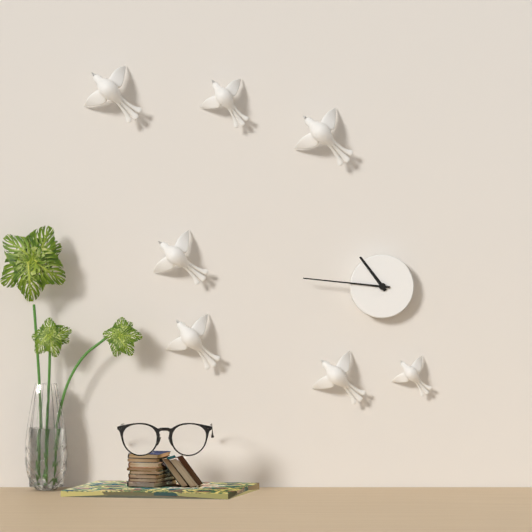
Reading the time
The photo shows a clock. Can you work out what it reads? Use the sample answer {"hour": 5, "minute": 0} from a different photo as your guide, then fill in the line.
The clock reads {"hour": 10, "minute": 46}
